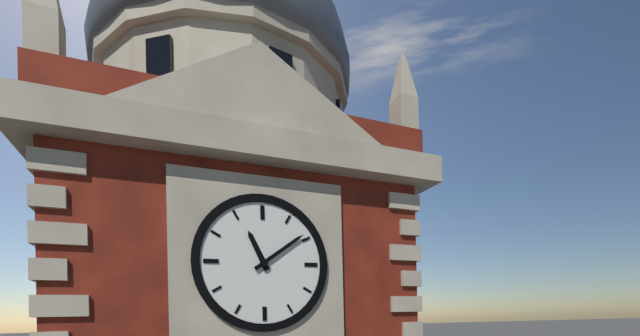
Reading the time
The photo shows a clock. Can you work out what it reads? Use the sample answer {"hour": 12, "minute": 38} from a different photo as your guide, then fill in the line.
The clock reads {"hour": 11, "minute": 9}
